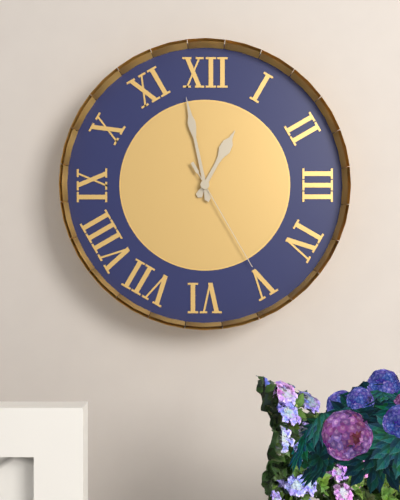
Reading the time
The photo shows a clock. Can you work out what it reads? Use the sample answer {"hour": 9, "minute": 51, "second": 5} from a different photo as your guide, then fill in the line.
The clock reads {"hour": 12, "minute": 58, "second": 25}
